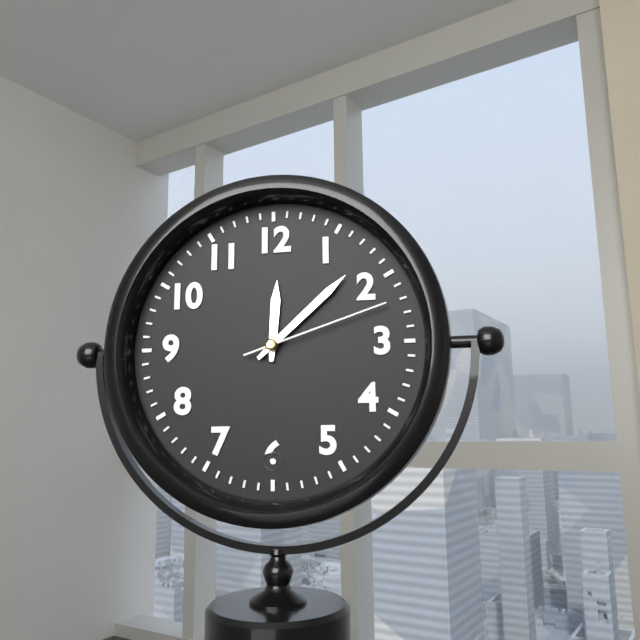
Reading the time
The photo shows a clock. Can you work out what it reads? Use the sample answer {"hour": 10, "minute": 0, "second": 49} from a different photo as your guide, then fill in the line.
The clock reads {"hour": 12, "minute": 8, "second": 12}
